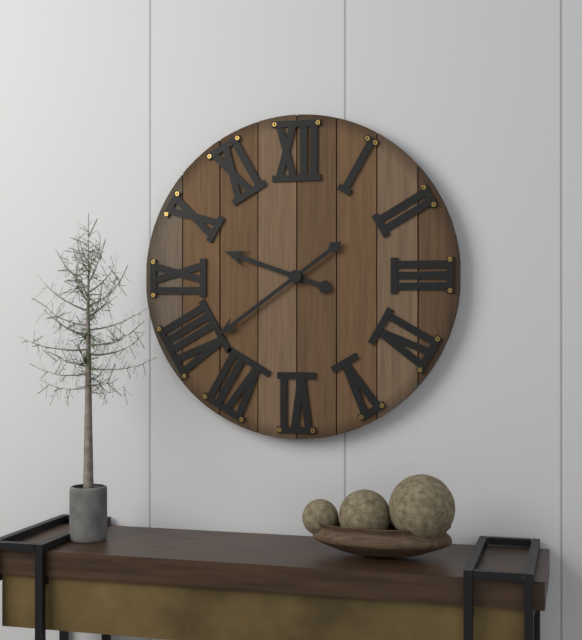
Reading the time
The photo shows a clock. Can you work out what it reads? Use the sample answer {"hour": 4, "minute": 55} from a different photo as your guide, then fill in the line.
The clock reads {"hour": 9, "minute": 39}
